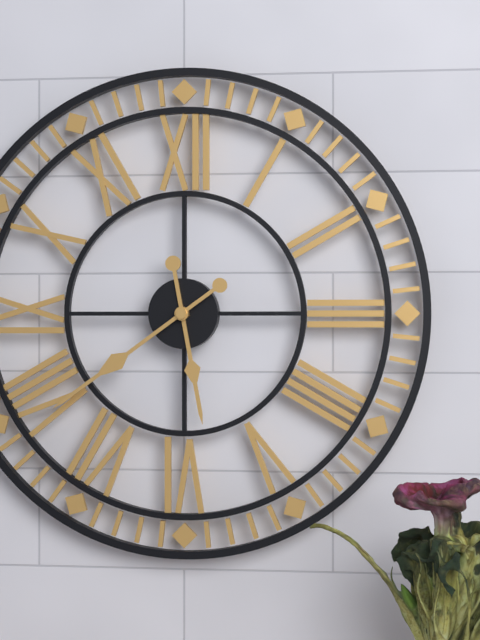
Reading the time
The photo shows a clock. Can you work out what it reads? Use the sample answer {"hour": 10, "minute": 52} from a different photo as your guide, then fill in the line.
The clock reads {"hour": 5, "minute": 39}
